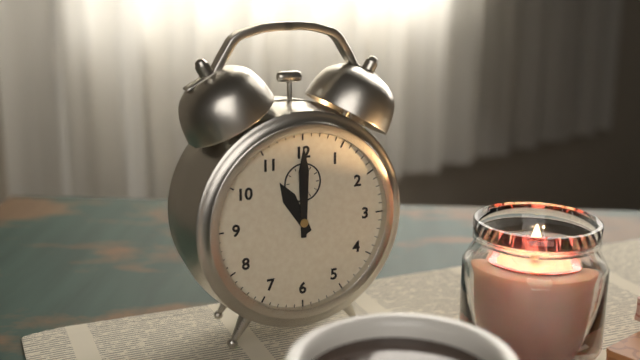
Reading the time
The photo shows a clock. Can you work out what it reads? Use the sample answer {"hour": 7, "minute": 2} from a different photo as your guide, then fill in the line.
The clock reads {"hour": 11, "minute": 0}
